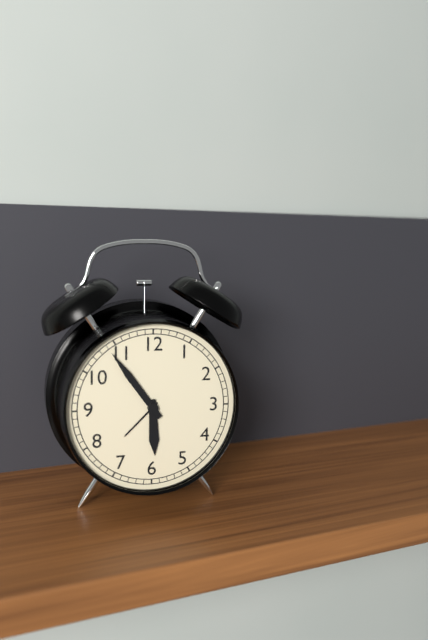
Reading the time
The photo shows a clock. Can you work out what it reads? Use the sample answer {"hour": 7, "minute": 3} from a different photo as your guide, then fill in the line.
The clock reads {"hour": 5, "minute": 54}
